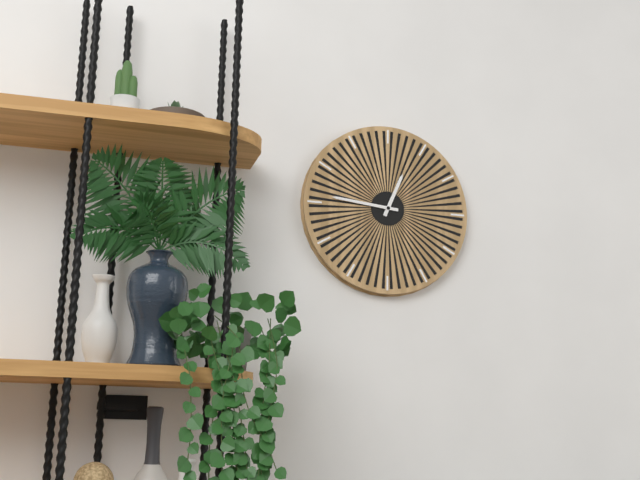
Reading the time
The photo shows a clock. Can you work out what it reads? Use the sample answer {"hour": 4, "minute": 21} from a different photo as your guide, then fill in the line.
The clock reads {"hour": 12, "minute": 46}
